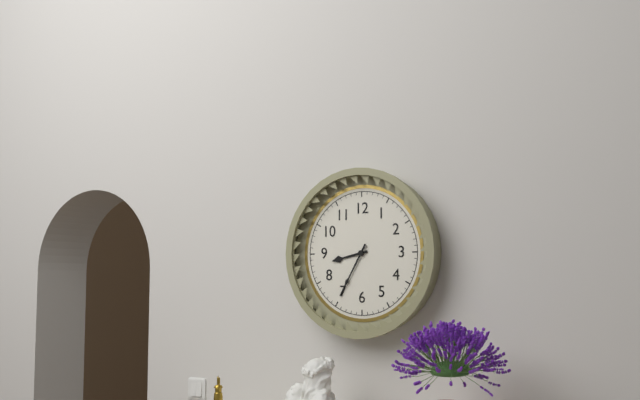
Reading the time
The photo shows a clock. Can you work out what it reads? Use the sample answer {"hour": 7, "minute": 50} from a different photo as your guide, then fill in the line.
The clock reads {"hour": 8, "minute": 35}
